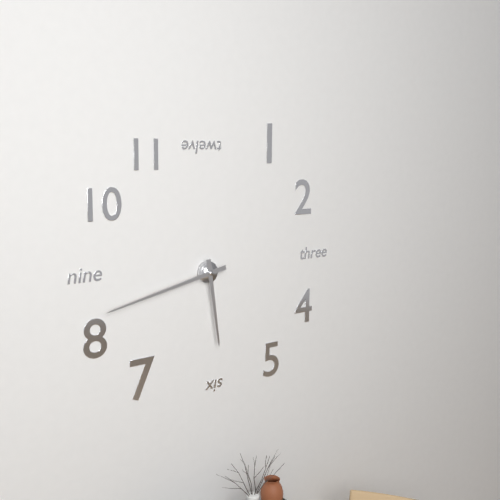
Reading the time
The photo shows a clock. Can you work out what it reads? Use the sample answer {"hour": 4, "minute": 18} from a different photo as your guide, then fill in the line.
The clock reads {"hour": 5, "minute": 43}
